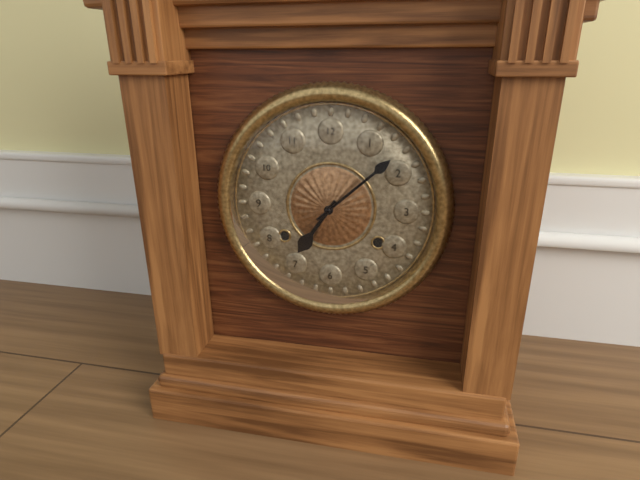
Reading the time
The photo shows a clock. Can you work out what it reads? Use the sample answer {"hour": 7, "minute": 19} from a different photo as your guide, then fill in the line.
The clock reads {"hour": 7, "minute": 8}
